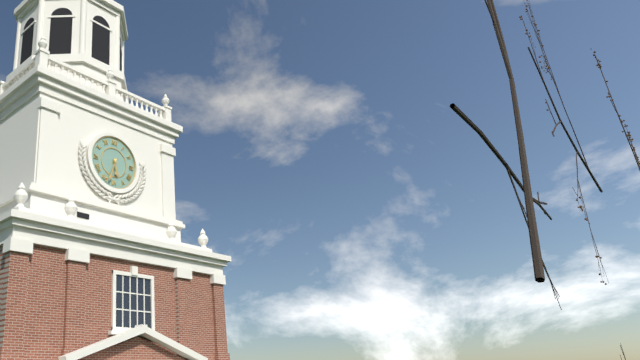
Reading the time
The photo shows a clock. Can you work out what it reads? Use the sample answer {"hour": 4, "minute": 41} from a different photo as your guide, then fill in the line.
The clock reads {"hour": 5, "minute": 33}
